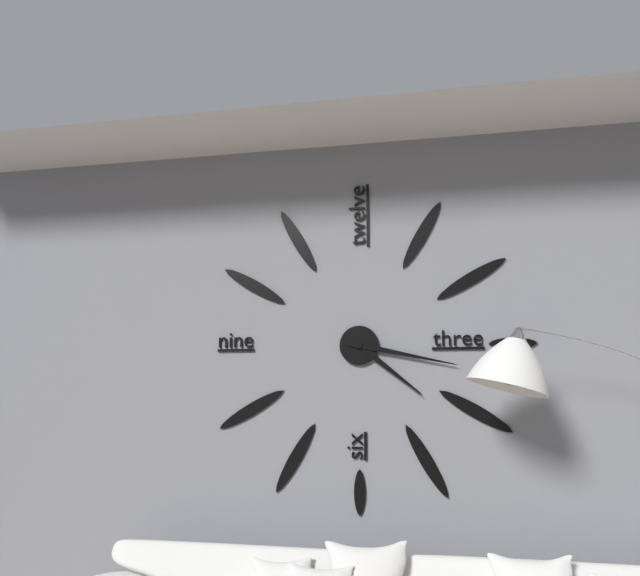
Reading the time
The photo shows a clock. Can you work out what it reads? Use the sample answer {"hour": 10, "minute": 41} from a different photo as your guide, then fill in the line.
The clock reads {"hour": 4, "minute": 17}
